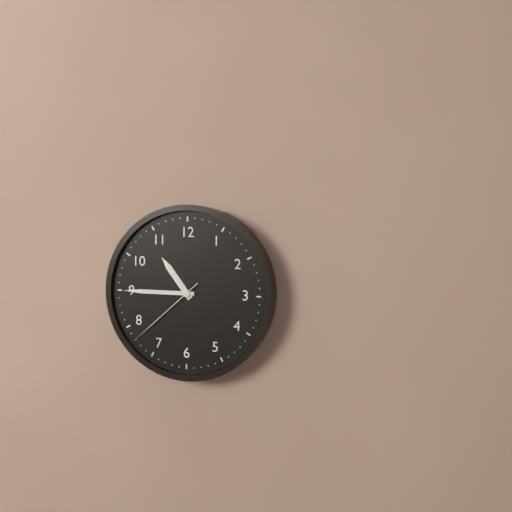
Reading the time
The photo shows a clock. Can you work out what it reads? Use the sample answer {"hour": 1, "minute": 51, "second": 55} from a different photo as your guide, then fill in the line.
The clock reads {"hour": 10, "minute": 45, "second": 38}
